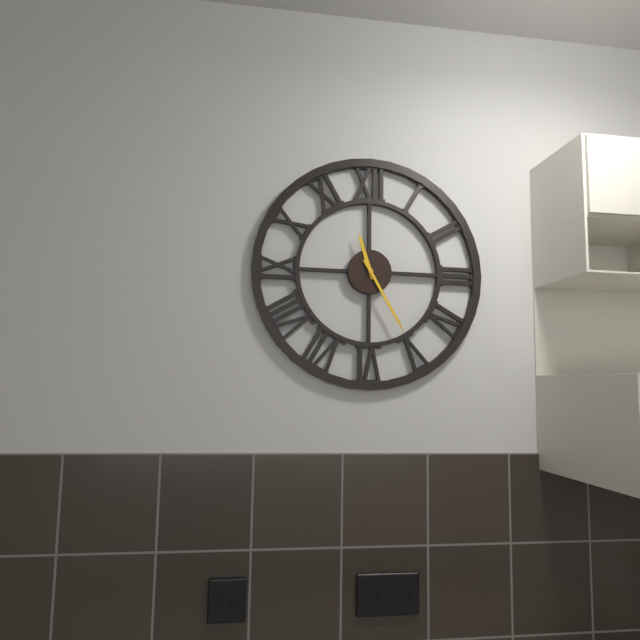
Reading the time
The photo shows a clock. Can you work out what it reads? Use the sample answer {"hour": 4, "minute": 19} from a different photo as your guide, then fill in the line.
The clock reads {"hour": 11, "minute": 25}
